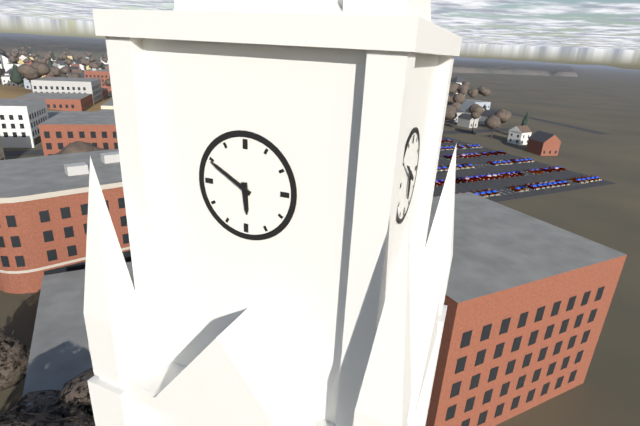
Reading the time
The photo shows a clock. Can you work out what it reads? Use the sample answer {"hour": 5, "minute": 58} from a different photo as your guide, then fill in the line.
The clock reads {"hour": 5, "minute": 50}
